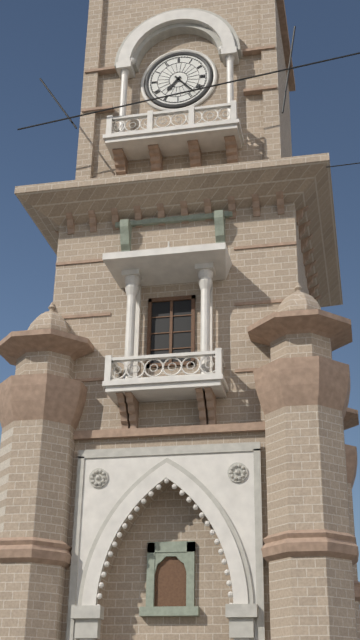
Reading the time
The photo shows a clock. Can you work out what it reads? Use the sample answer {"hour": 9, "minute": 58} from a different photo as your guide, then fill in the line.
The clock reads {"hour": 7, "minute": 23}
